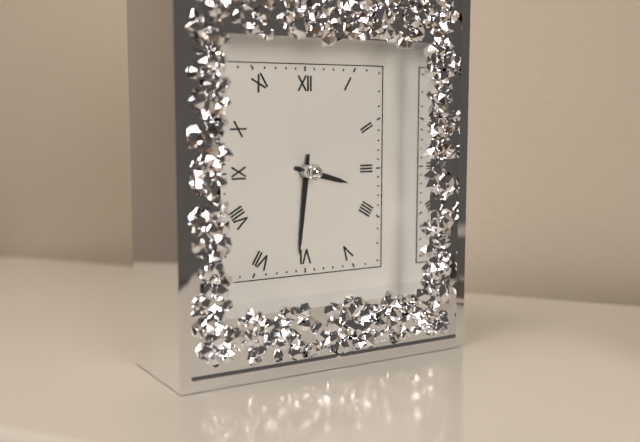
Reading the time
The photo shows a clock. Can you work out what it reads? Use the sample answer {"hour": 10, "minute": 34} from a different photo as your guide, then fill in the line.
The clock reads {"hour": 3, "minute": 31}
